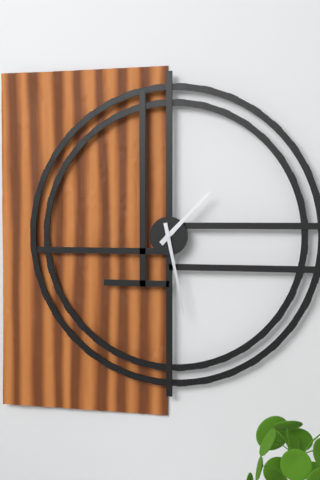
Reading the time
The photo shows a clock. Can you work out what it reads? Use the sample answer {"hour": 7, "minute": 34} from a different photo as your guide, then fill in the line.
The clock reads {"hour": 1, "minute": 28}
